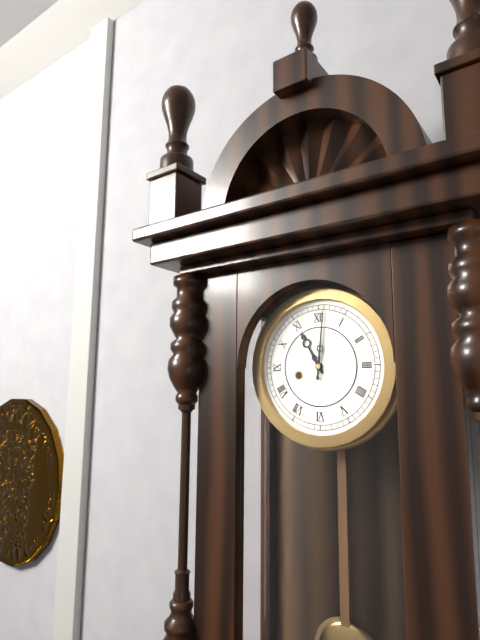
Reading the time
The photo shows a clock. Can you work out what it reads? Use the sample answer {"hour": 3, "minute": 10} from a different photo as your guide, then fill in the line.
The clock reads {"hour": 11, "minute": 1}
